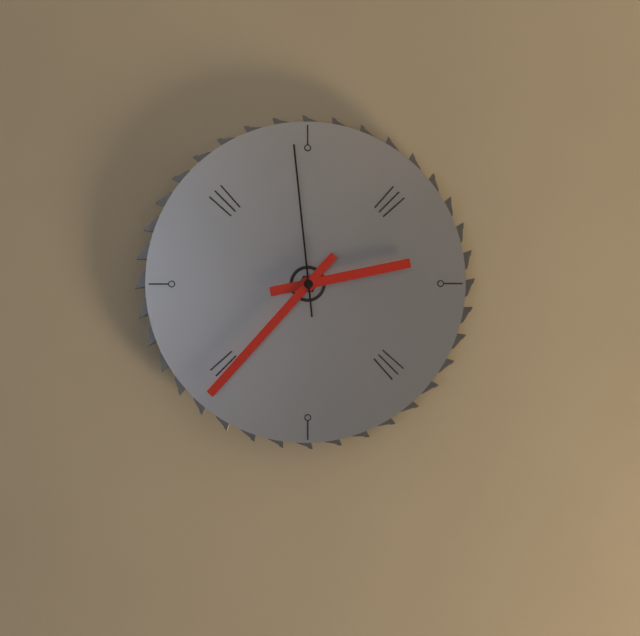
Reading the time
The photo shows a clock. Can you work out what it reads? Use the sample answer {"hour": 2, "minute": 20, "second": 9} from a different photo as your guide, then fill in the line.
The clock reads {"hour": 2, "minute": 37, "second": 59}
